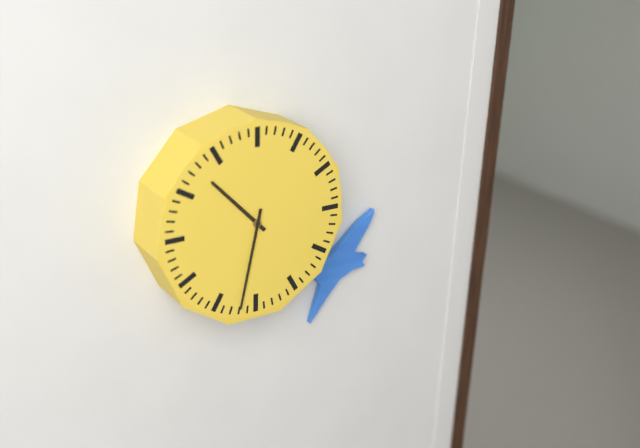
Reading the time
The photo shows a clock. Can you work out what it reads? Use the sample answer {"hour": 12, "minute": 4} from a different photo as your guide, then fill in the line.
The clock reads {"hour": 10, "minute": 32}
